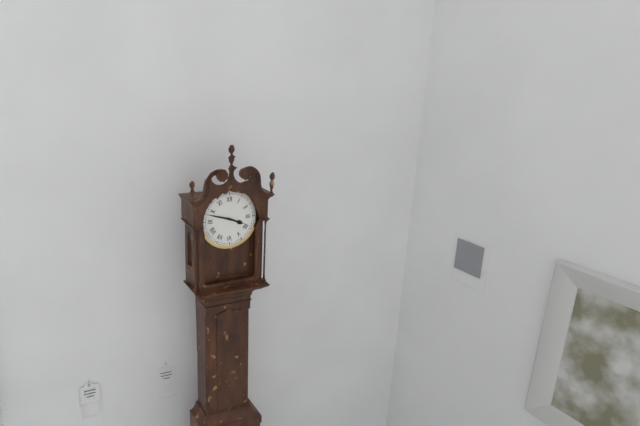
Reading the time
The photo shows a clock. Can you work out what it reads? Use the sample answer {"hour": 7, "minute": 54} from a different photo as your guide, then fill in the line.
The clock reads {"hour": 3, "minute": 48}
